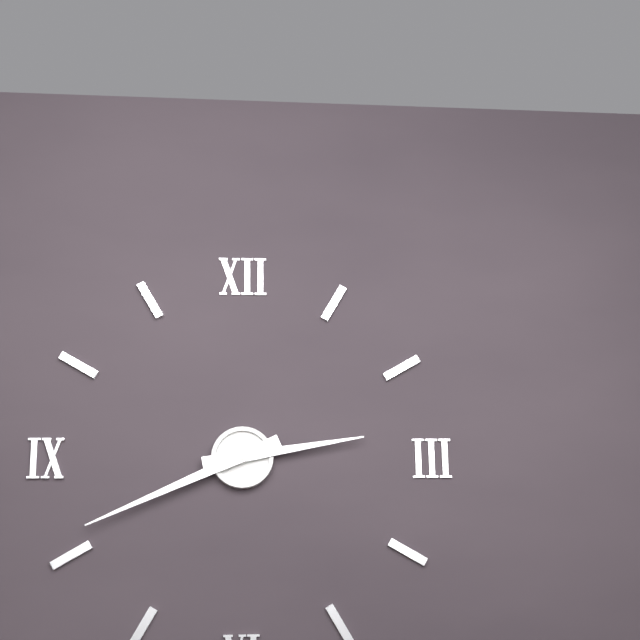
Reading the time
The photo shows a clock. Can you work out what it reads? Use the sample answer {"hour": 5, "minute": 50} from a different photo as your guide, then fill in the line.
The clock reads {"hour": 2, "minute": 41}
